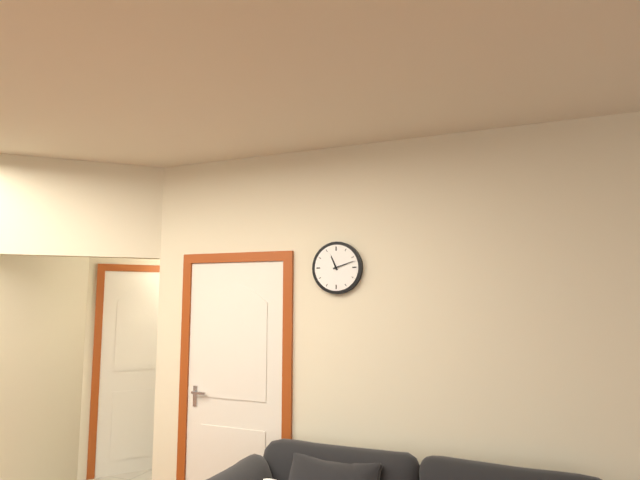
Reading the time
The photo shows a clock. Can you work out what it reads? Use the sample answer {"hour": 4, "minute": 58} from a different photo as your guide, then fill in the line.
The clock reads {"hour": 11, "minute": 12}
